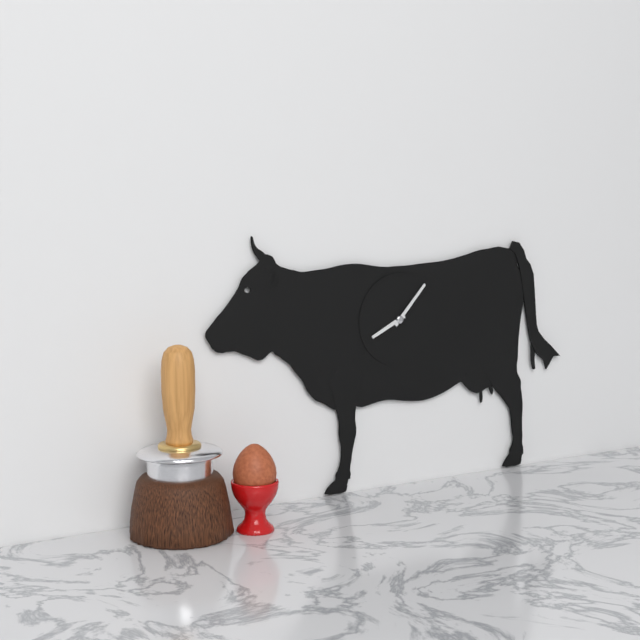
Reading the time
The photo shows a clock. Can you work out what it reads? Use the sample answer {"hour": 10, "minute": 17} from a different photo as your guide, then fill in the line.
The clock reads {"hour": 8, "minute": 7}
